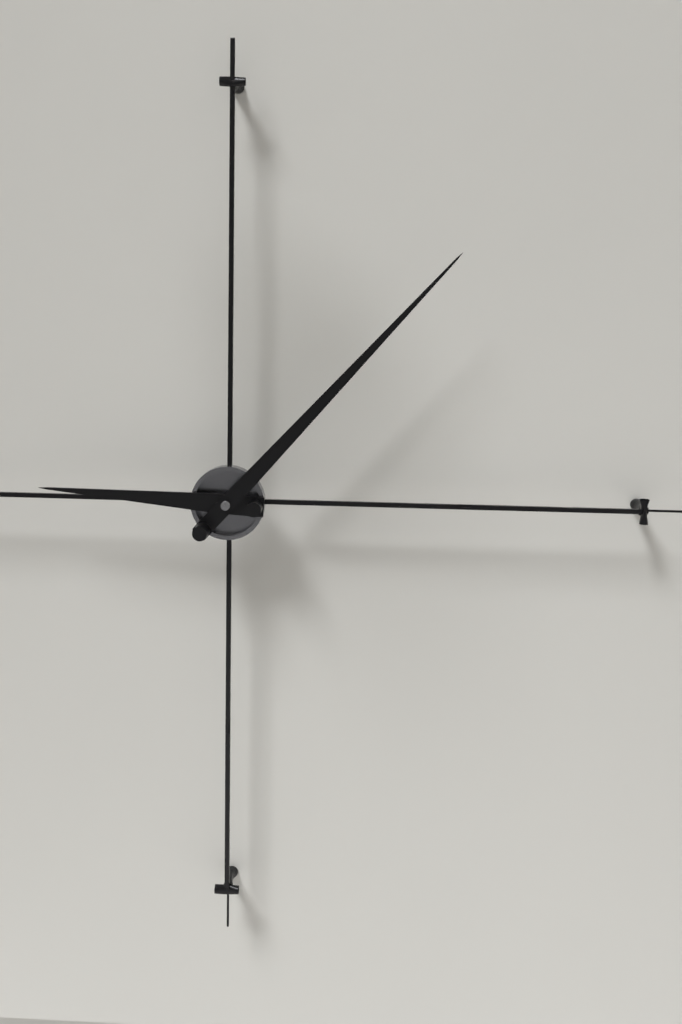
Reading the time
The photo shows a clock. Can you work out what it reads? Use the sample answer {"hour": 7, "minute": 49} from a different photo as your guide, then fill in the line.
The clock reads {"hour": 9, "minute": 7}
